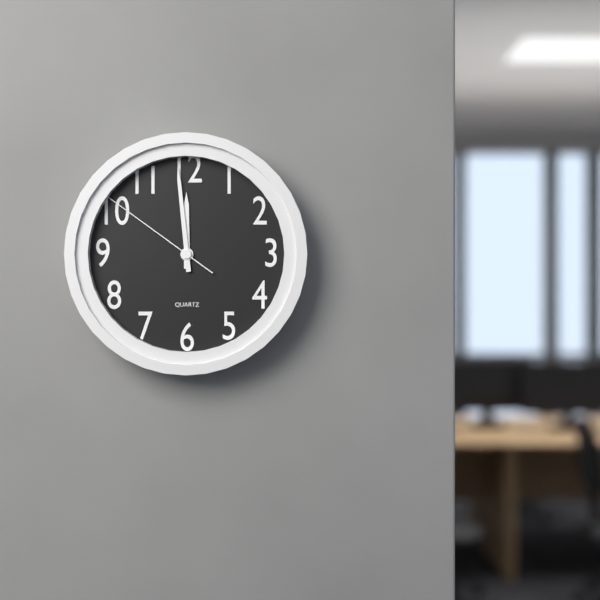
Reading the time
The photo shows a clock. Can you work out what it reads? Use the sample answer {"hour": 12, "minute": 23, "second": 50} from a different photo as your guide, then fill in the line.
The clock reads {"hour": 11, "minute": 59, "second": 51}
